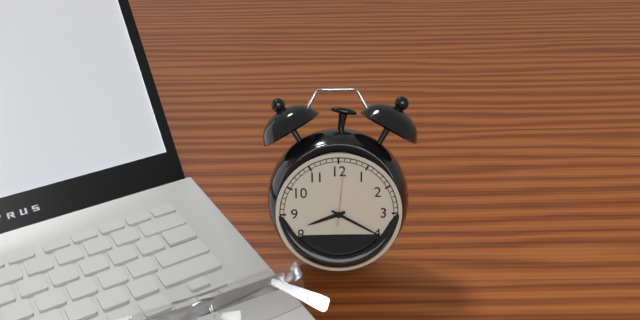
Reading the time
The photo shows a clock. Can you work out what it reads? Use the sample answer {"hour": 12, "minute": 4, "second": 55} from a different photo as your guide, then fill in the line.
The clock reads {"hour": 8, "minute": 20, "second": 1}
